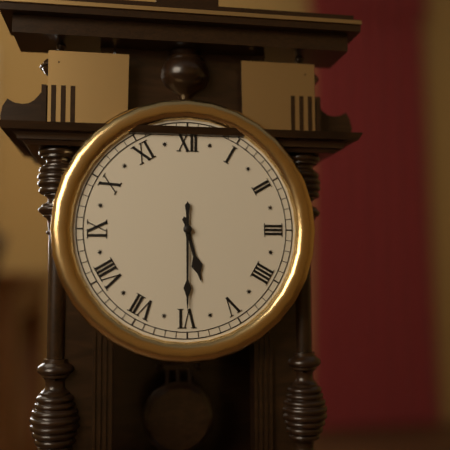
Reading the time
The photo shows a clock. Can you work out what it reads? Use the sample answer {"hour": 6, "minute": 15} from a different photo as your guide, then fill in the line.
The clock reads {"hour": 5, "minute": 30}
